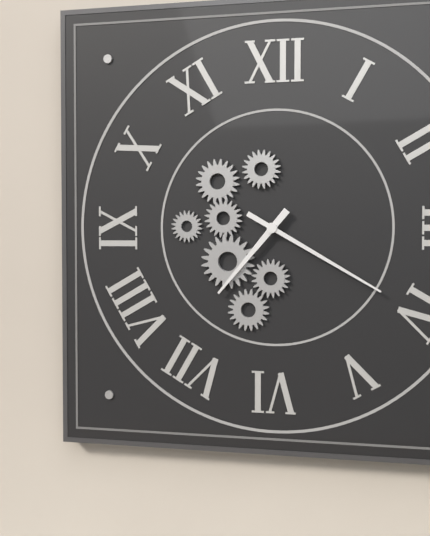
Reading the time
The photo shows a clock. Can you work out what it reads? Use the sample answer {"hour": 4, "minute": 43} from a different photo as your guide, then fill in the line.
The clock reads {"hour": 7, "minute": 20}
